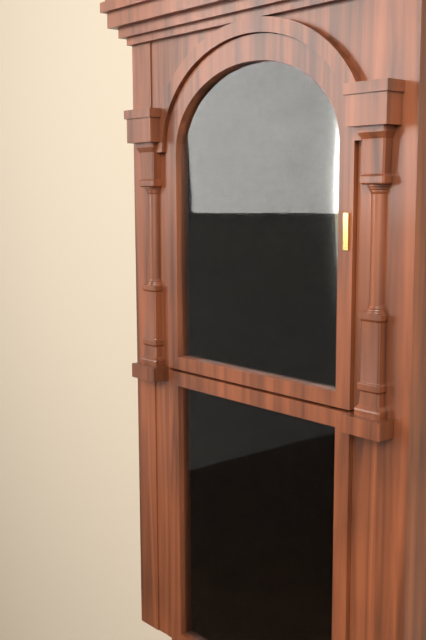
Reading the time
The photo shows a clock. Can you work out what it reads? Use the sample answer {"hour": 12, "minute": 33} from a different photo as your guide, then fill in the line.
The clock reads {"hour": 5, "minute": 35}
